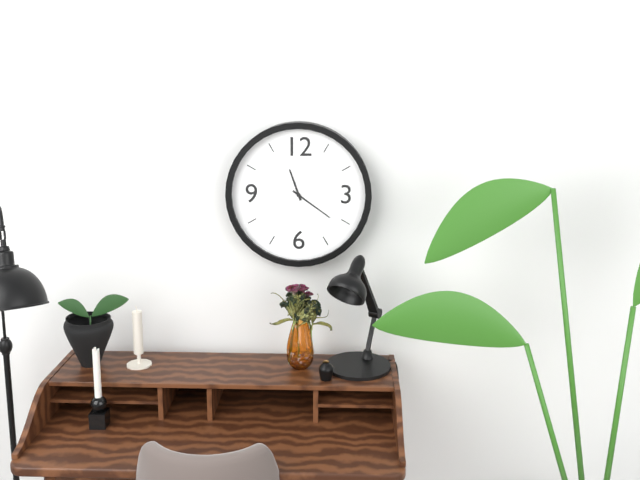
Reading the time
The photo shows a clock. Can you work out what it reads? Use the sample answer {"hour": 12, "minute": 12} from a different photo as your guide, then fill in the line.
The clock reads {"hour": 11, "minute": 21}
